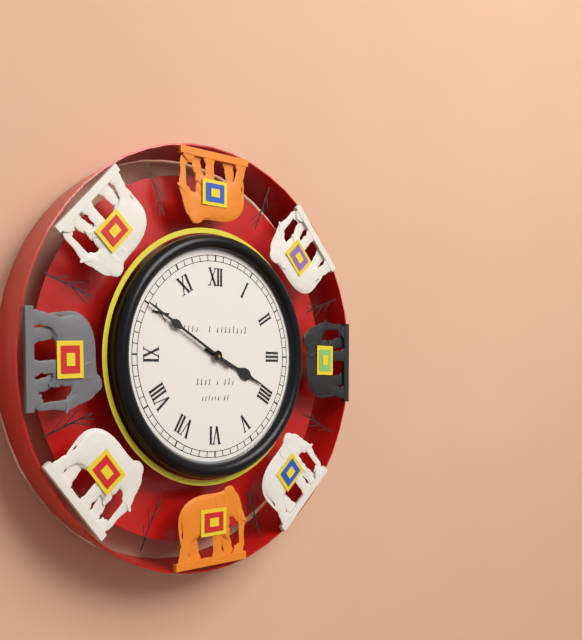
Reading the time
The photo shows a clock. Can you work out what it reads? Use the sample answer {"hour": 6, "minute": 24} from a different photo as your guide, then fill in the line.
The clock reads {"hour": 3, "minute": 50}
